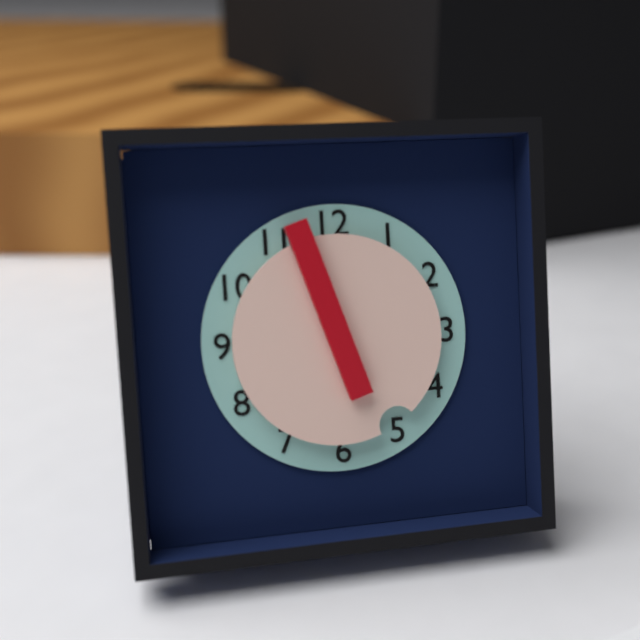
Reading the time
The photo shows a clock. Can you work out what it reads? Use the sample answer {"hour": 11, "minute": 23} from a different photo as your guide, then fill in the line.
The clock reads {"hour": 4, "minute": 57}
